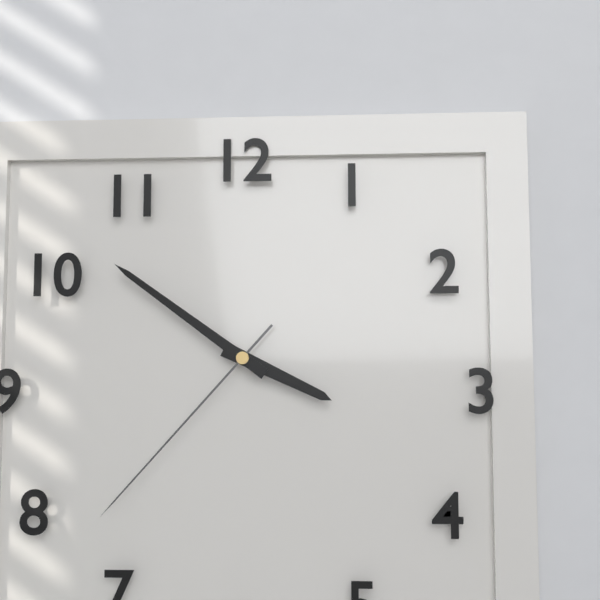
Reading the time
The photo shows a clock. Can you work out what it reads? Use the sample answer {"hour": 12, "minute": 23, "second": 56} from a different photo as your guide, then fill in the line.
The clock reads {"hour": 3, "minute": 51, "second": 37}
